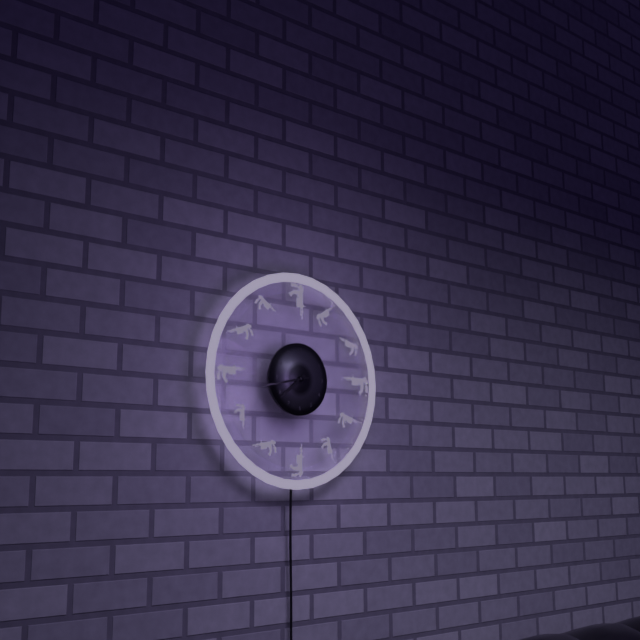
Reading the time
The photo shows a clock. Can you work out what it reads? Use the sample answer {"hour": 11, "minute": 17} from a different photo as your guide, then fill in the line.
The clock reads {"hour": 7, "minute": 43}
